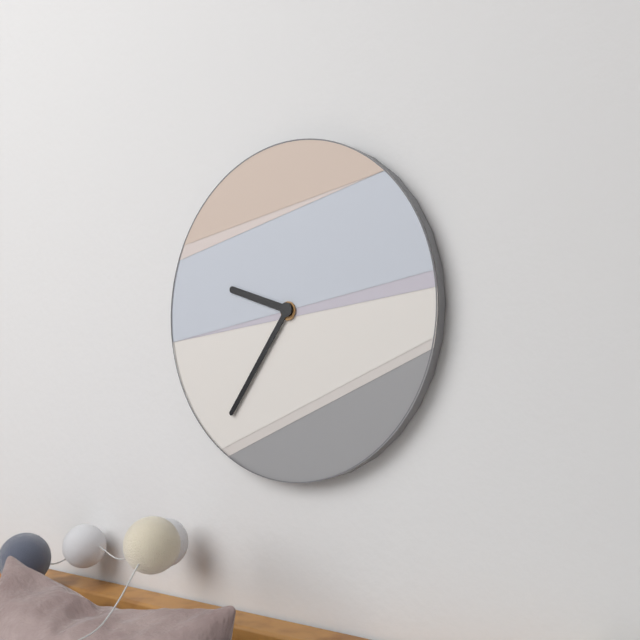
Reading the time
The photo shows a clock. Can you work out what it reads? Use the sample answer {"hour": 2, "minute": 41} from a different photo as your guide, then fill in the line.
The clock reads {"hour": 9, "minute": 36}
